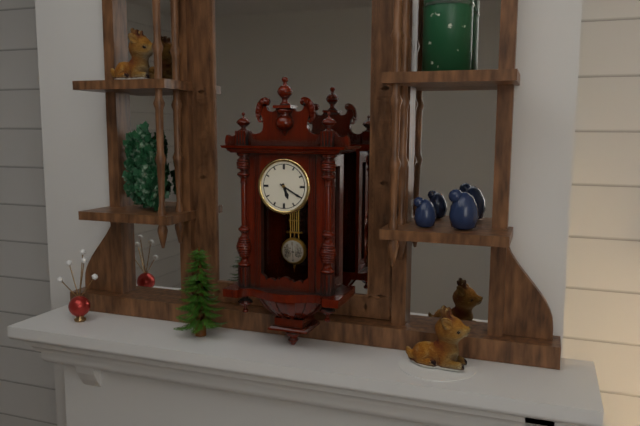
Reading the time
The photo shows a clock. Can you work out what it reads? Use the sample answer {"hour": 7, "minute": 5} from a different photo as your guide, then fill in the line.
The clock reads {"hour": 5, "minute": 20}
